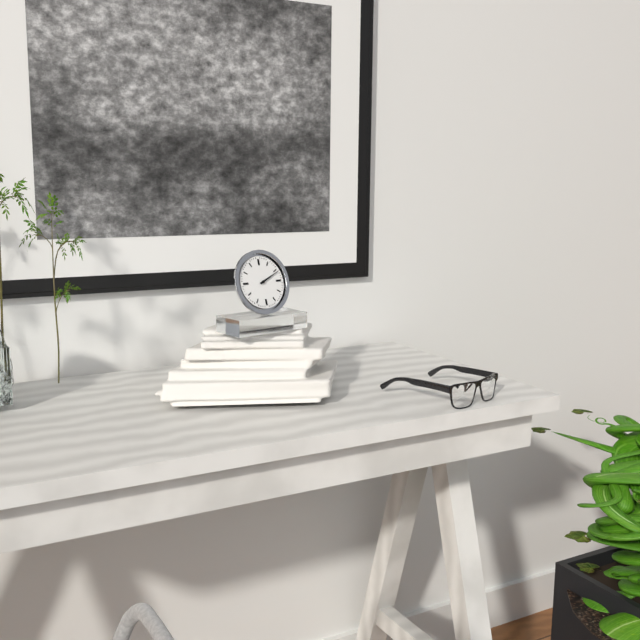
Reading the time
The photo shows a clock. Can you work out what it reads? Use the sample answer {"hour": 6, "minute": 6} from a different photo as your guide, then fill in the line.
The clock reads {"hour": 2, "minute": 11}
